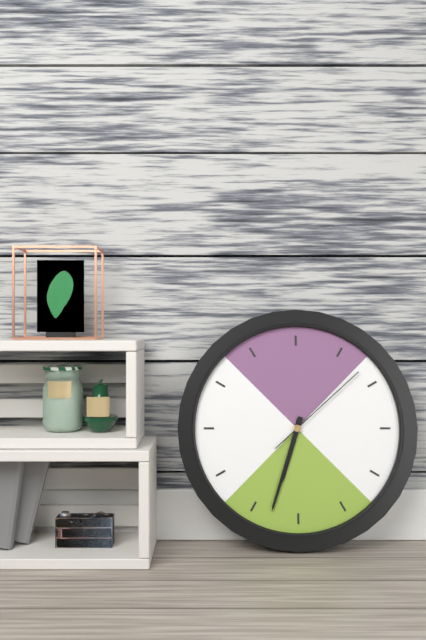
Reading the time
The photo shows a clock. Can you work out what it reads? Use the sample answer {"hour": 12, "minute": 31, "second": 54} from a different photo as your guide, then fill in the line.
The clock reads {"hour": 6, "minute": 33, "second": 8}
